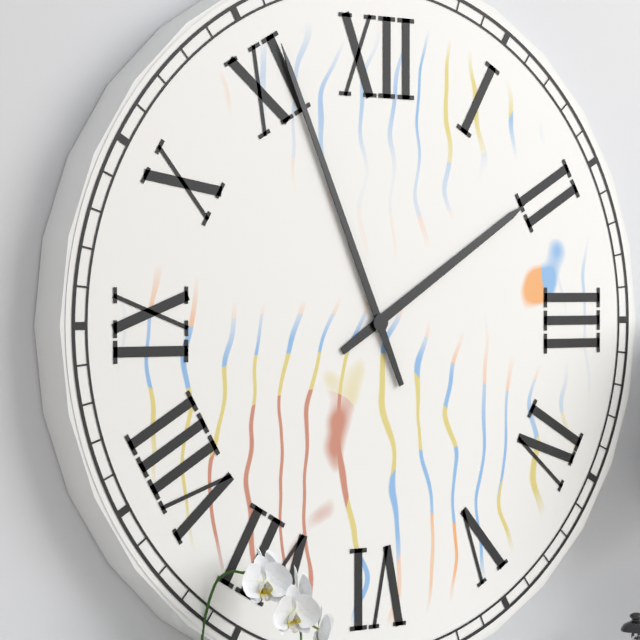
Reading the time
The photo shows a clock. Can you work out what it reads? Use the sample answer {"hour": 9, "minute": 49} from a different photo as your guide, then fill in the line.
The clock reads {"hour": 1, "minute": 56}
